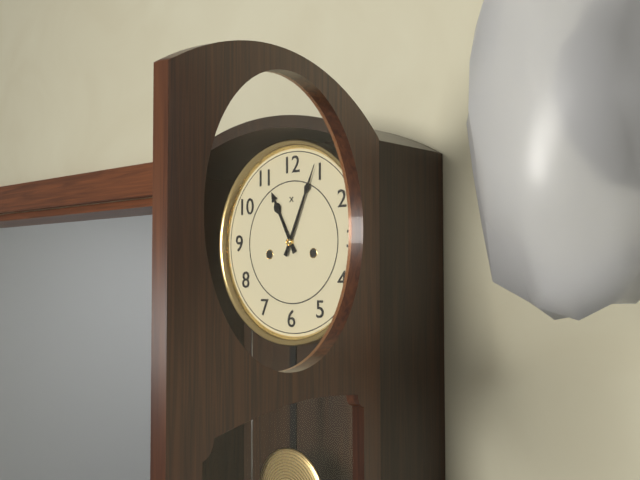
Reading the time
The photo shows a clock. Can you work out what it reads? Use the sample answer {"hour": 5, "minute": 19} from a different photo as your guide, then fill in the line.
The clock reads {"hour": 11, "minute": 4}
